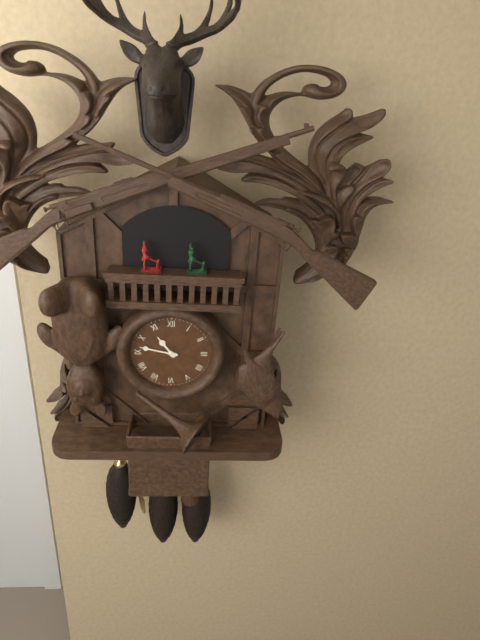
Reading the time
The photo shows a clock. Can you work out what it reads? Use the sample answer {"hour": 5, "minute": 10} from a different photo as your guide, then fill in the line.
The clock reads {"hour": 10, "minute": 47}
